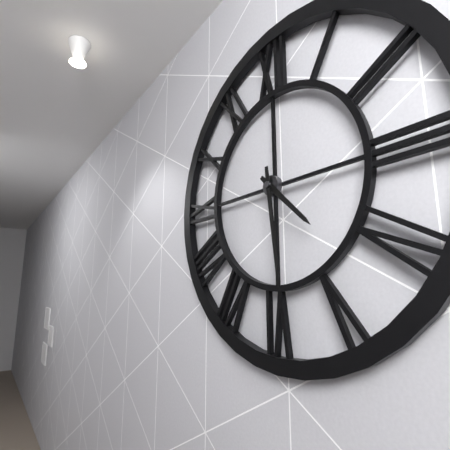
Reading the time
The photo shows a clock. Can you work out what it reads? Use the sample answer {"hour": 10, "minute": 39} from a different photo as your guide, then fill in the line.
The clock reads {"hour": 4, "minute": 29}
